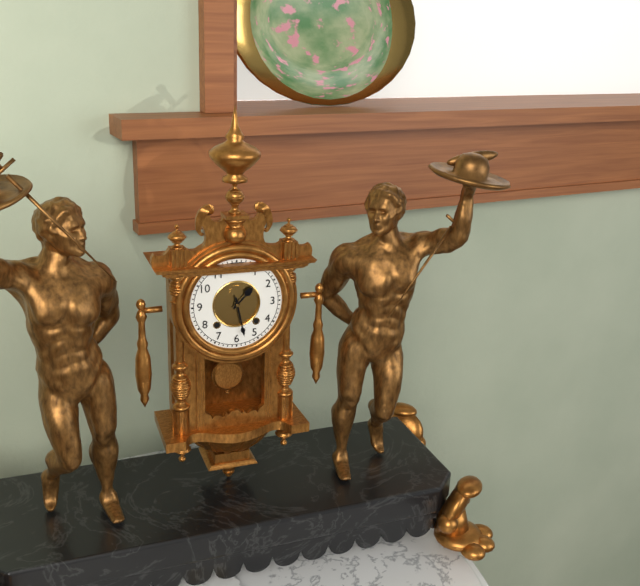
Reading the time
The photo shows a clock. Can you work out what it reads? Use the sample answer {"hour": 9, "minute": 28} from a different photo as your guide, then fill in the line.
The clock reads {"hour": 1, "minute": 28}
